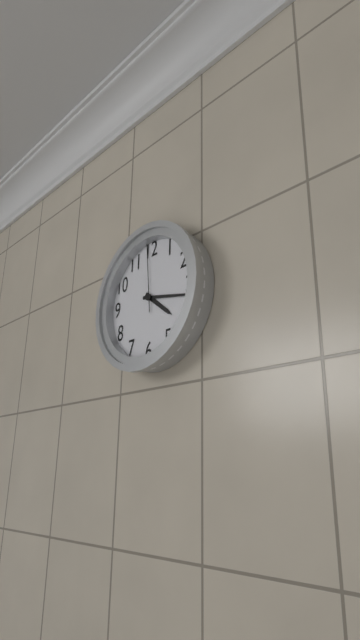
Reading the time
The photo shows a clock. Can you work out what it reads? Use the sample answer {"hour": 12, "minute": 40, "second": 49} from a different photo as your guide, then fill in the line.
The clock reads {"hour": 4, "minute": 17, "second": 59}
